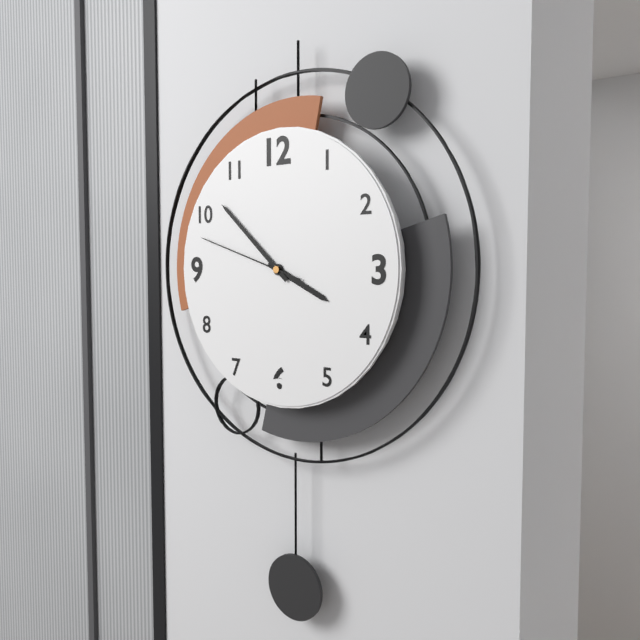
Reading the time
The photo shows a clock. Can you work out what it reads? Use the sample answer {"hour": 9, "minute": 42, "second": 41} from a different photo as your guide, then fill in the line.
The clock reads {"hour": 3, "minute": 52, "second": 48}
